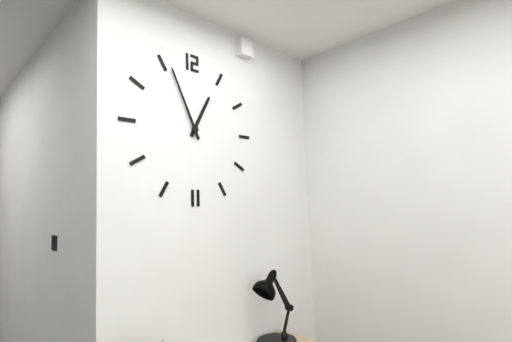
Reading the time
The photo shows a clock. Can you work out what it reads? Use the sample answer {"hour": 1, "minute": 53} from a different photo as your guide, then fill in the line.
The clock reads {"hour": 12, "minute": 56}
